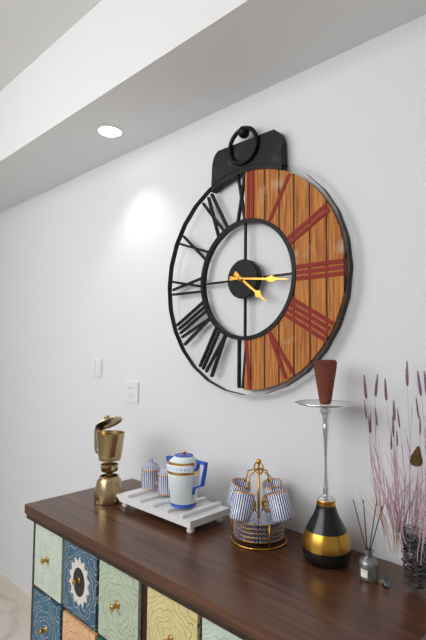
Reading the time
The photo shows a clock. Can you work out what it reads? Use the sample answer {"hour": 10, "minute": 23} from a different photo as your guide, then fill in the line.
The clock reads {"hour": 4, "minute": 16}
